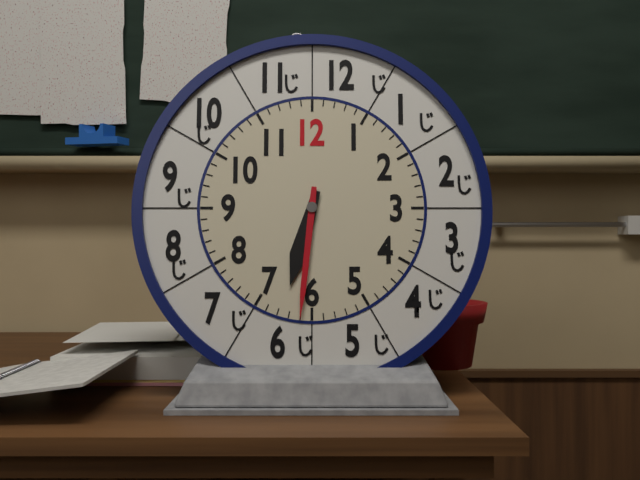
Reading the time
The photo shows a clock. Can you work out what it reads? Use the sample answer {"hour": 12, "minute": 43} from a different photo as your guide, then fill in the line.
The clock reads {"hour": 6, "minute": 31}
